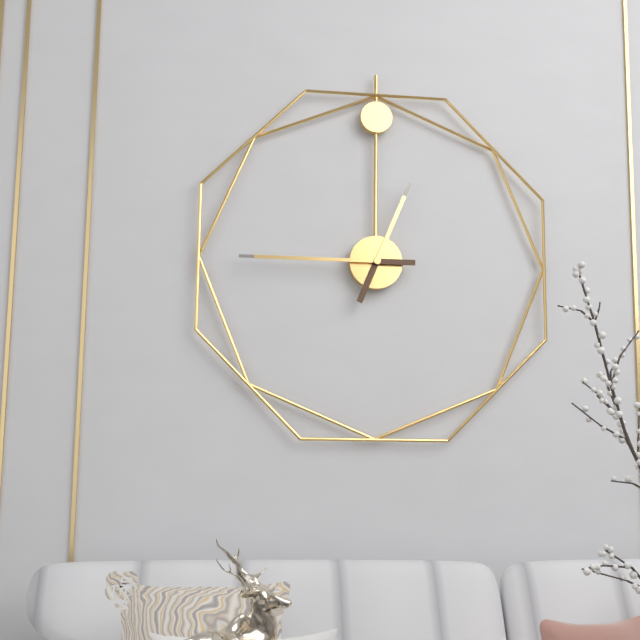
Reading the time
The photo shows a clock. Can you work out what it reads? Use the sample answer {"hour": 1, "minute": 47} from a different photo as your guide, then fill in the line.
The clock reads {"hour": 12, "minute": 45}
